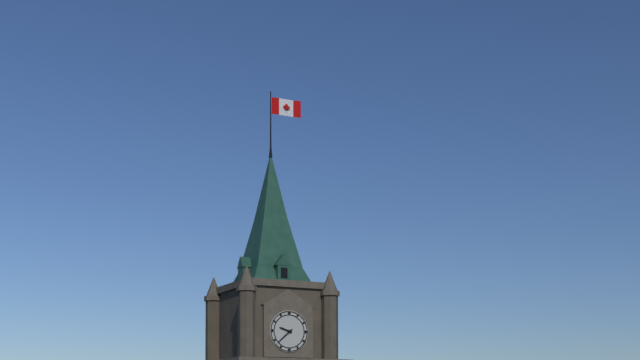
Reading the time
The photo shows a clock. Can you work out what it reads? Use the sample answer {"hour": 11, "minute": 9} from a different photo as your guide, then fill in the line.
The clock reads {"hour": 9, "minute": 38}
